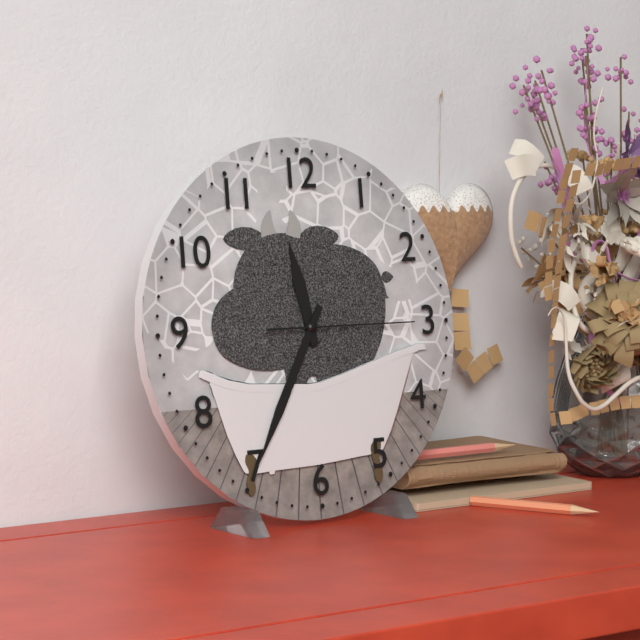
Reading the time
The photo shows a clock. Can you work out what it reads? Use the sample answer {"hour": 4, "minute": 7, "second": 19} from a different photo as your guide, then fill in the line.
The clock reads {"hour": 11, "minute": 35, "second": 15}
